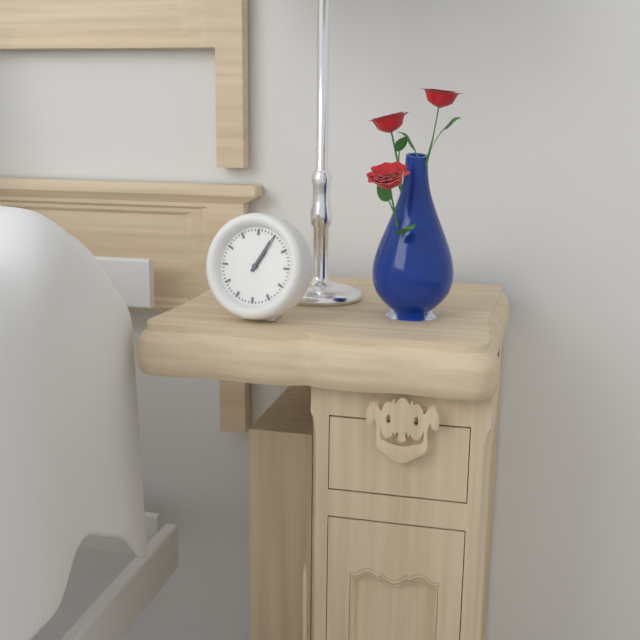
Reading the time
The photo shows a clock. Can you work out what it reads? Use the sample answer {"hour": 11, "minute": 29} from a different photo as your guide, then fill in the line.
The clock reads {"hour": 1, "minute": 5}
